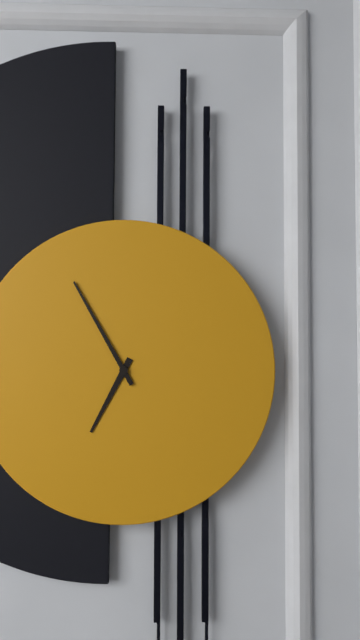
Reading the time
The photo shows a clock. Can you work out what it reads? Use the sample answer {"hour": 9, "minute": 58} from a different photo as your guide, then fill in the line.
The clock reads {"hour": 6, "minute": 55}
